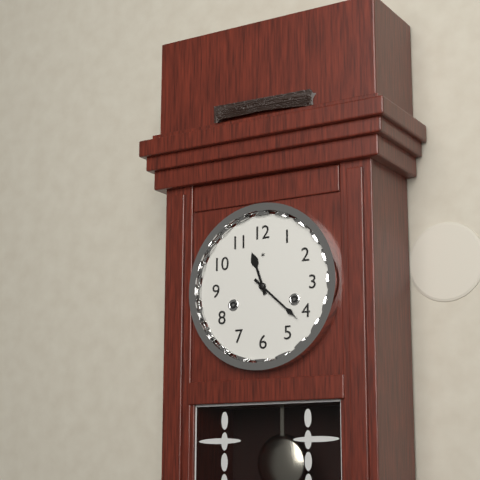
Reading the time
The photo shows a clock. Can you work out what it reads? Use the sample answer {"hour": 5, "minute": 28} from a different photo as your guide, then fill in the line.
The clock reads {"hour": 11, "minute": 22}
